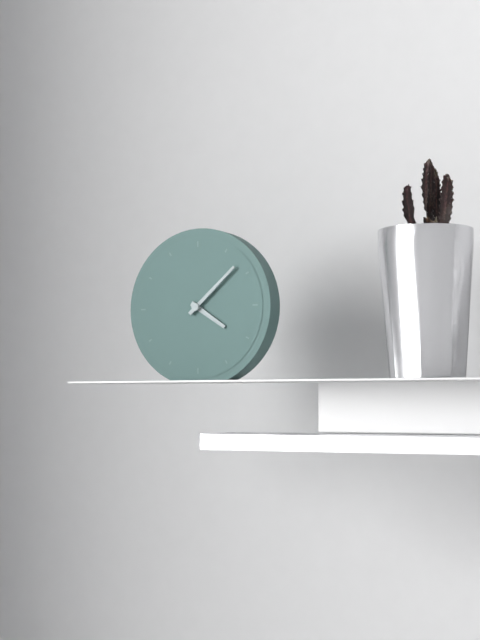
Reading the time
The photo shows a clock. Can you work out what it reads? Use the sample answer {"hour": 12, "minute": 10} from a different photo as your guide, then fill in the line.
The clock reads {"hour": 4, "minute": 8}
